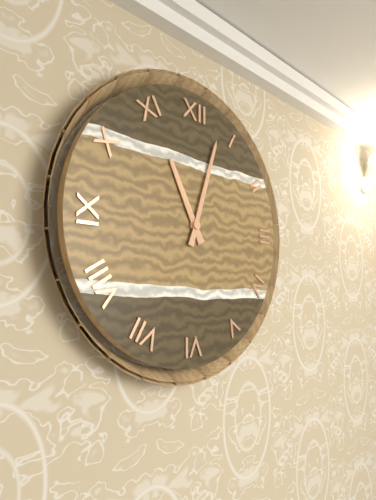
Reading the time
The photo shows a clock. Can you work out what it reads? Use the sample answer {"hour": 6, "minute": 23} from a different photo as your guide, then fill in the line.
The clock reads {"hour": 11, "minute": 3}
